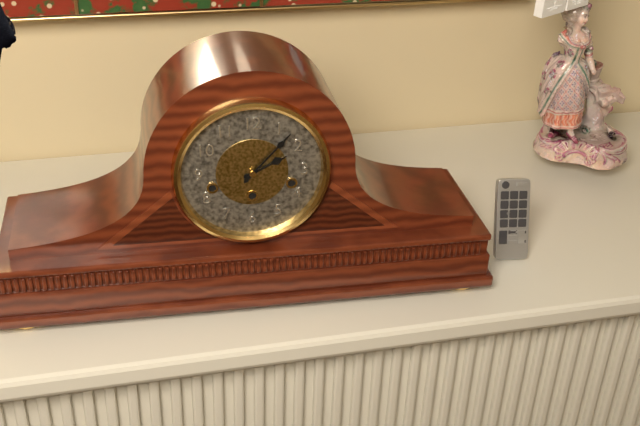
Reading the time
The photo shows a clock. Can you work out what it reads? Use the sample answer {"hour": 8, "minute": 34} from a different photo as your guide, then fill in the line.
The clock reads {"hour": 2, "minute": 7}
